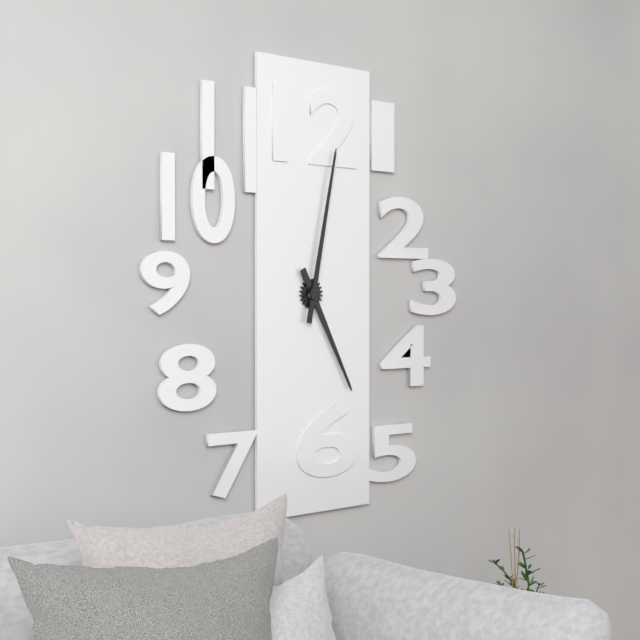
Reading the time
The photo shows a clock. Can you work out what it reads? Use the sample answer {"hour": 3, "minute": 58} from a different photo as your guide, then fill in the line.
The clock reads {"hour": 5, "minute": 2}
